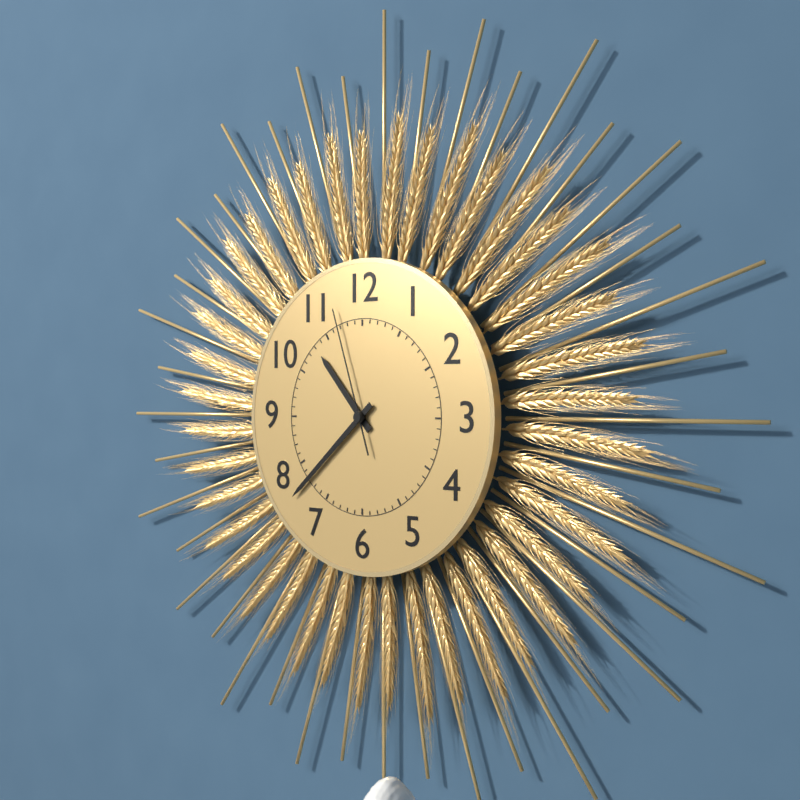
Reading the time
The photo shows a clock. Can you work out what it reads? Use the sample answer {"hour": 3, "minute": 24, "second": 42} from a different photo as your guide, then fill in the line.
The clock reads {"hour": 10, "minute": 38, "second": 57}
